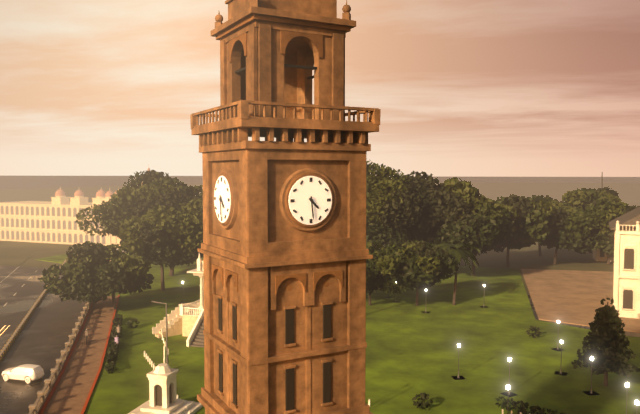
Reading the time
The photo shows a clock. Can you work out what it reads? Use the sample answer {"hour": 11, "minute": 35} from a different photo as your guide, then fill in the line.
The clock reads {"hour": 4, "minute": 29}
